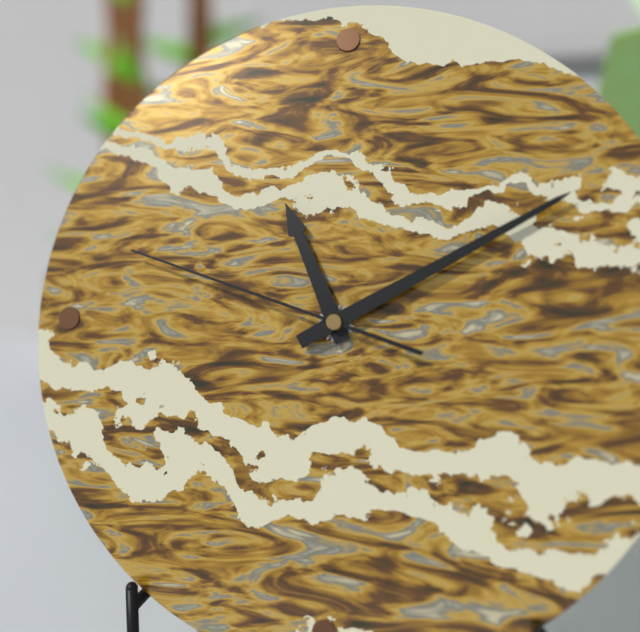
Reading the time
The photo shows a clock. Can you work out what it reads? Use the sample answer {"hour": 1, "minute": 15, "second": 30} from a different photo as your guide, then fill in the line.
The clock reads {"hour": 11, "minute": 10, "second": 48}
